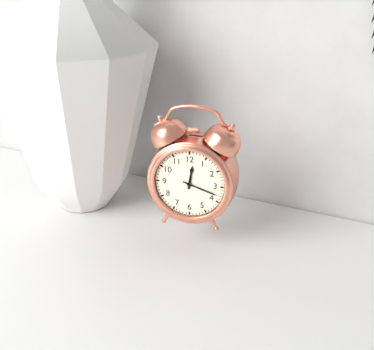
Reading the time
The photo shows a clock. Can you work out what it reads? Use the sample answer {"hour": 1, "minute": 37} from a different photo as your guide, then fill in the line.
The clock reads {"hour": 12, "minute": 18}
